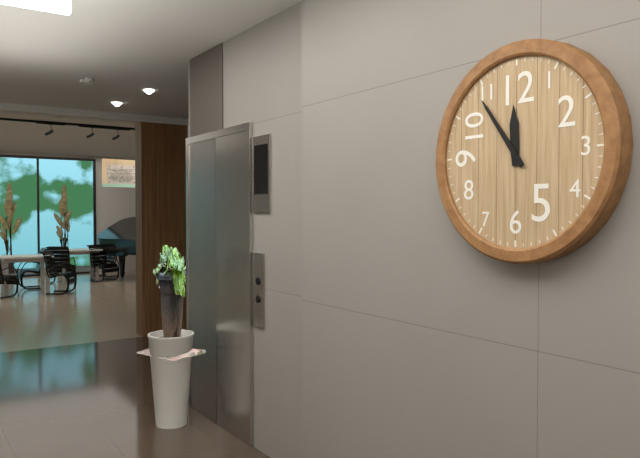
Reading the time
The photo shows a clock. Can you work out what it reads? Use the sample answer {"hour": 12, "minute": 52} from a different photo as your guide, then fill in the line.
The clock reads {"hour": 11, "minute": 54}
